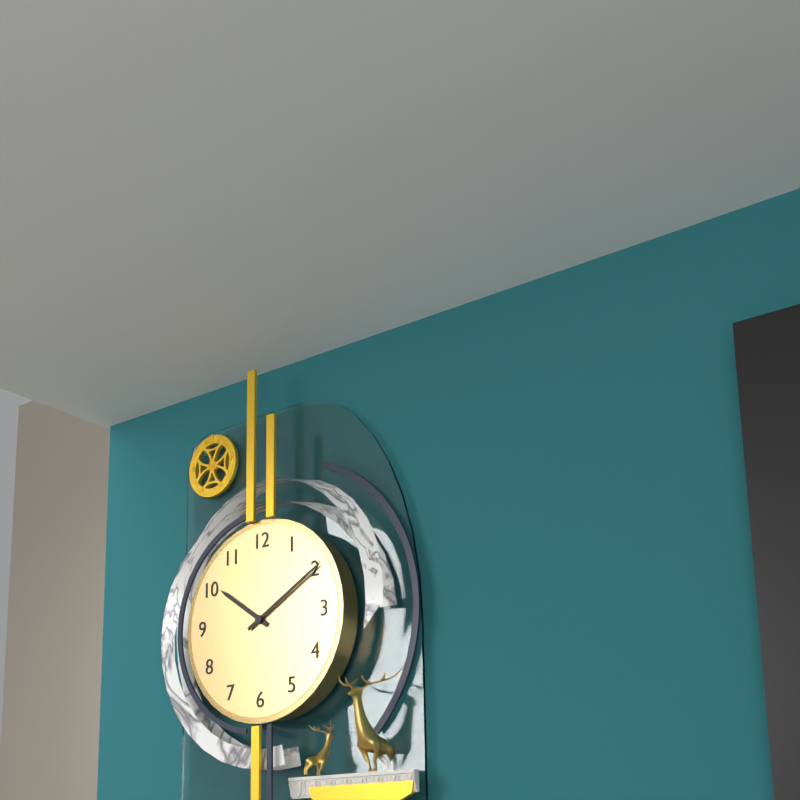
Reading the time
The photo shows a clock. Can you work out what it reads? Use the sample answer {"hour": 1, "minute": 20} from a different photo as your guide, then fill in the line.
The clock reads {"hour": 10, "minute": 10}
